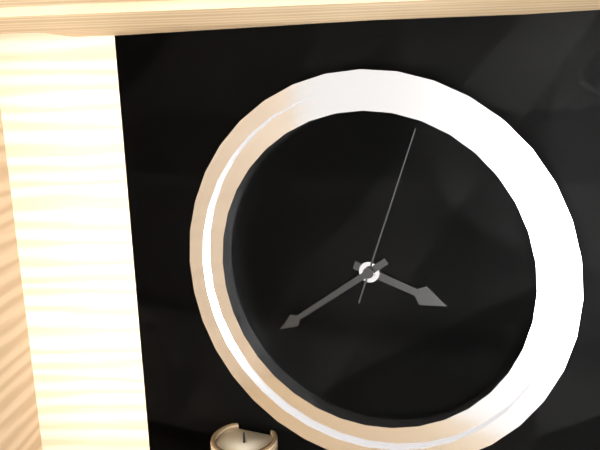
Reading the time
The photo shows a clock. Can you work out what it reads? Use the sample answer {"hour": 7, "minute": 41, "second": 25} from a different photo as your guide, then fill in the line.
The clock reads {"hour": 3, "minute": 39, "second": 3}
